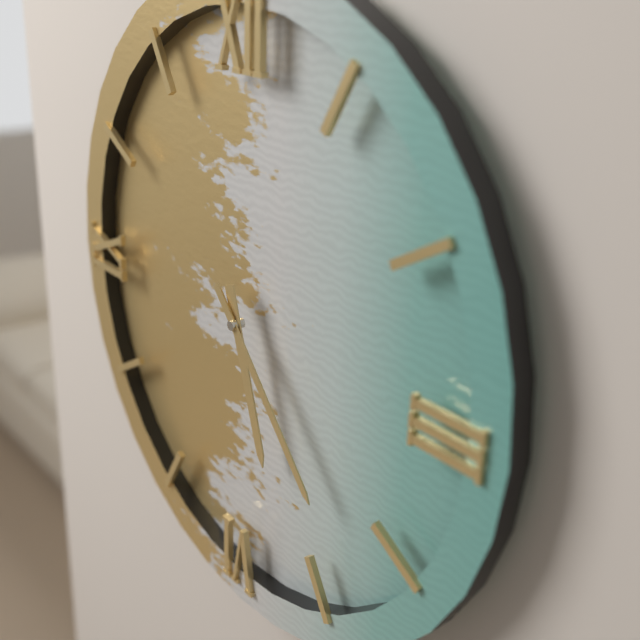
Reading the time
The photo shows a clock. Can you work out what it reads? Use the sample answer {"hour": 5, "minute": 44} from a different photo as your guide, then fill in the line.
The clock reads {"hour": 5, "minute": 23}
